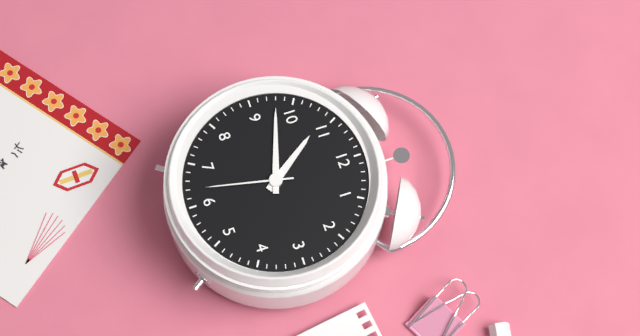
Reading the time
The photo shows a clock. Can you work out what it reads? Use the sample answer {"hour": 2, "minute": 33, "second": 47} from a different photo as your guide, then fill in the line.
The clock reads {"hour": 10, "minute": 48, "second": 32}
